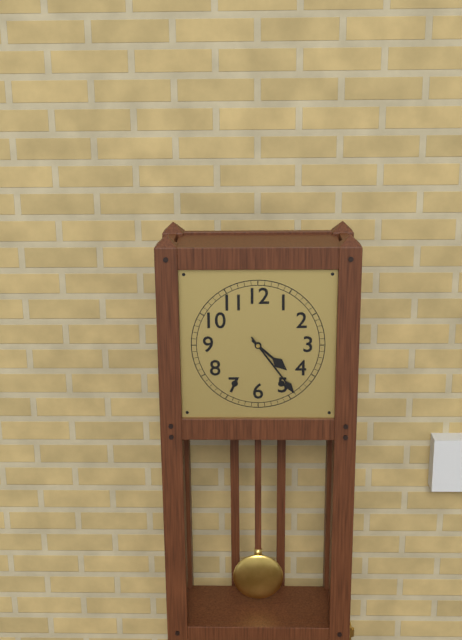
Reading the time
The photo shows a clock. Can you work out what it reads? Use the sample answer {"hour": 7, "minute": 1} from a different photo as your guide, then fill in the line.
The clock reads {"hour": 4, "minute": 24}
